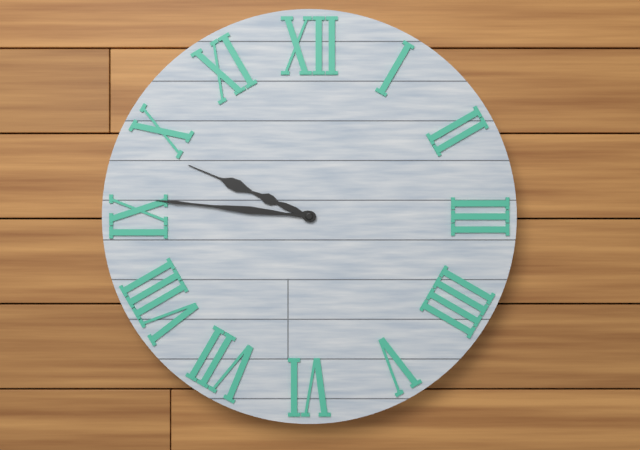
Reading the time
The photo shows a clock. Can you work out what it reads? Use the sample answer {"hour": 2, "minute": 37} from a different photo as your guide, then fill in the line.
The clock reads {"hour": 9, "minute": 46}
